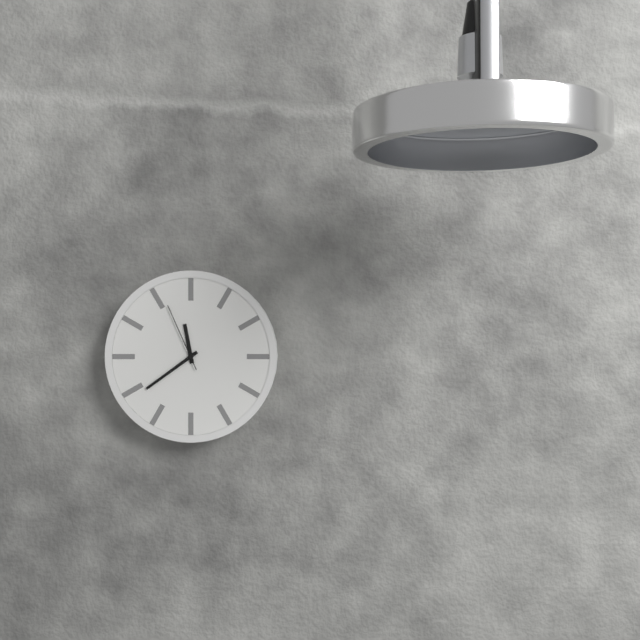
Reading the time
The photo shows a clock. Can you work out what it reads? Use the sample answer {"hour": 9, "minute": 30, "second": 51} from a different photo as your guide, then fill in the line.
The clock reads {"hour": 11, "minute": 39, "second": 56}
